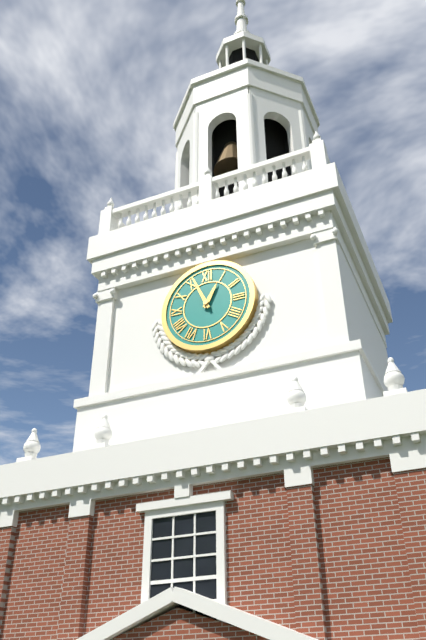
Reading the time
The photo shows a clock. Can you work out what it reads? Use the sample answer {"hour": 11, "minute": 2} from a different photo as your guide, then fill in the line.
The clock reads {"hour": 12, "minute": 56}
